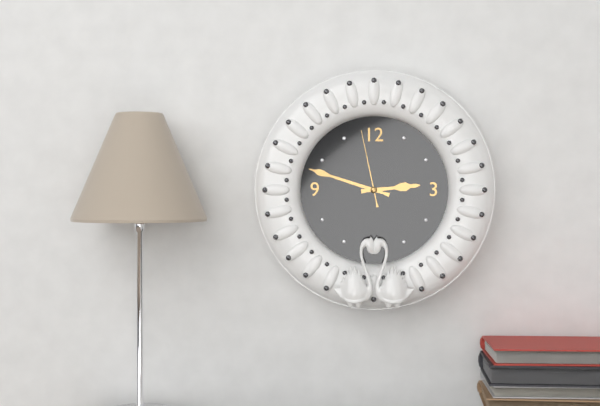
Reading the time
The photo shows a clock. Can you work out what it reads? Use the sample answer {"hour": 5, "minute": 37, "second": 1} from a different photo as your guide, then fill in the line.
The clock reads {"hour": 2, "minute": 48, "second": 58}
